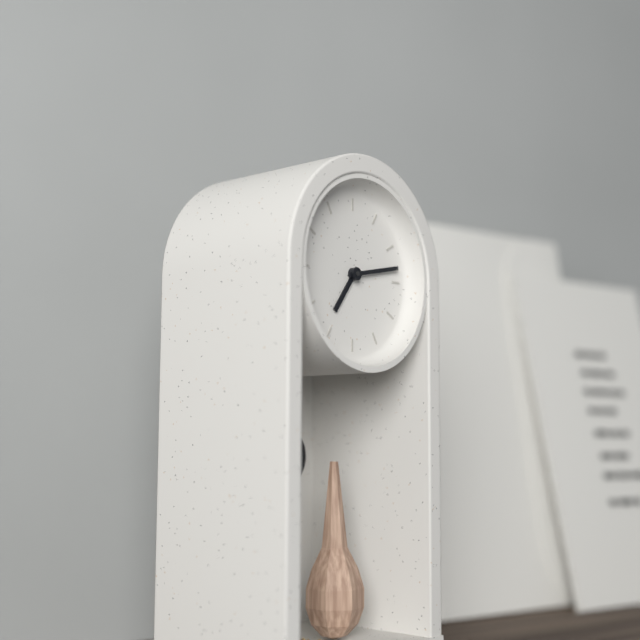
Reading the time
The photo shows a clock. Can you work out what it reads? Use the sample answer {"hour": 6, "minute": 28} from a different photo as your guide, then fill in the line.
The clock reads {"hour": 7, "minute": 13}
